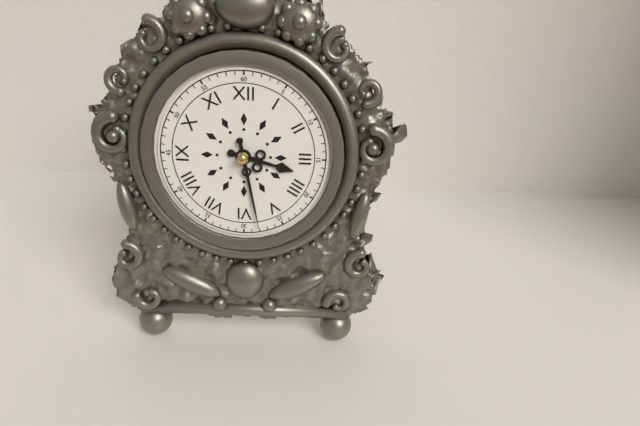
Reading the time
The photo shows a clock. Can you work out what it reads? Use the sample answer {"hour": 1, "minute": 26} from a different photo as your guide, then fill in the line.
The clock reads {"hour": 3, "minute": 28}
